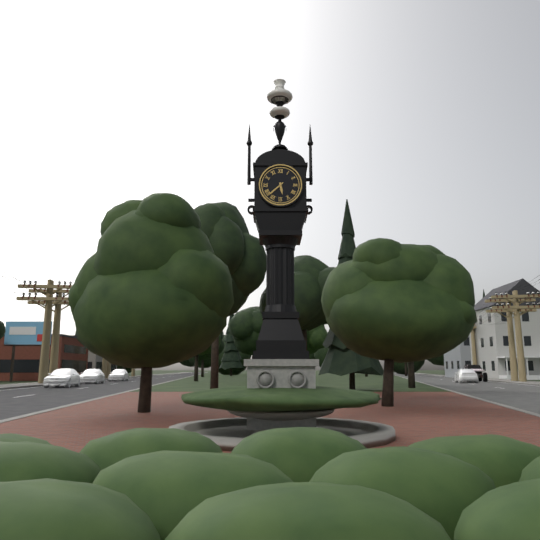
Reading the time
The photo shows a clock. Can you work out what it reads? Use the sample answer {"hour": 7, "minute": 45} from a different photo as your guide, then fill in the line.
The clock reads {"hour": 5, "minute": 38}
